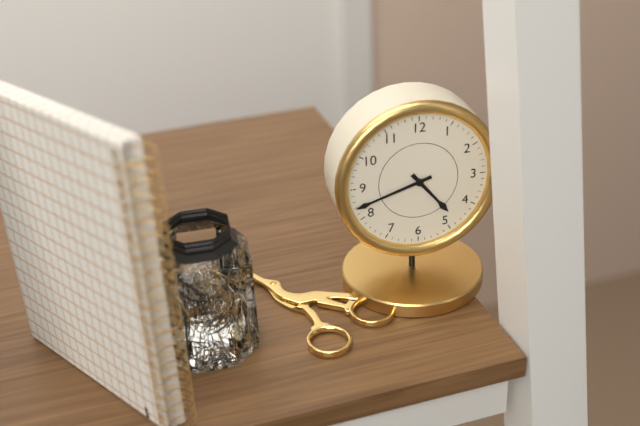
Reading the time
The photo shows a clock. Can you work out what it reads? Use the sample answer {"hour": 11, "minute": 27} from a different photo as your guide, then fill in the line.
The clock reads {"hour": 4, "minute": 42}
